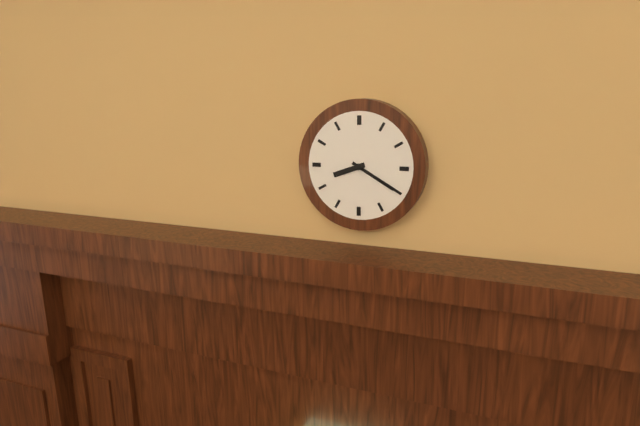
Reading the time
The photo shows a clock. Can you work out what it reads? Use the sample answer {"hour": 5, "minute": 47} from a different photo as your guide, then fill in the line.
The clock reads {"hour": 8, "minute": 20}
